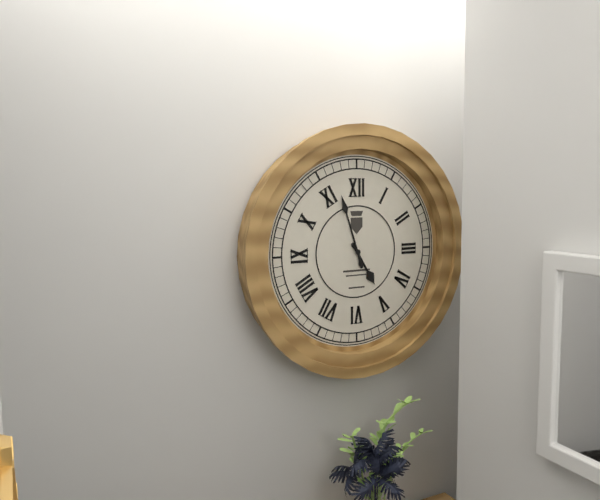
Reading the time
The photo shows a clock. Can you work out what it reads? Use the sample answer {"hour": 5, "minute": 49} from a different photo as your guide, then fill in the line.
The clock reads {"hour": 4, "minute": 57}
